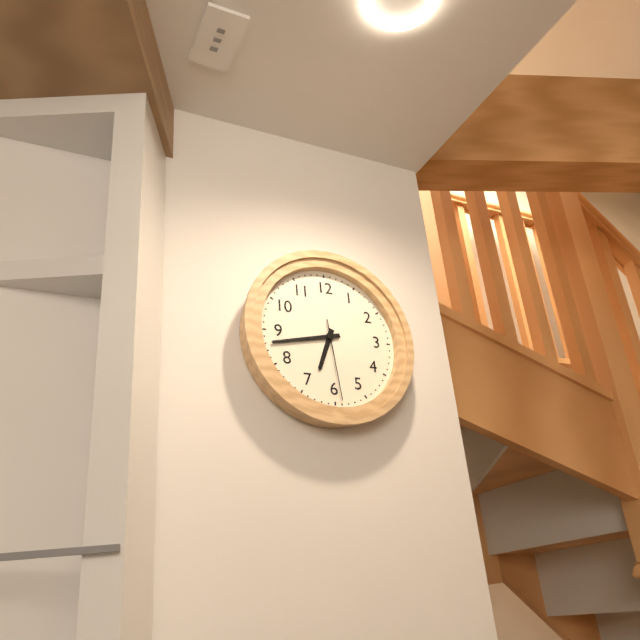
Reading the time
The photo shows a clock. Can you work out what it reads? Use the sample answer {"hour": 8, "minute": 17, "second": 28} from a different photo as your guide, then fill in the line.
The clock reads {"hour": 6, "minute": 43, "second": 29}
